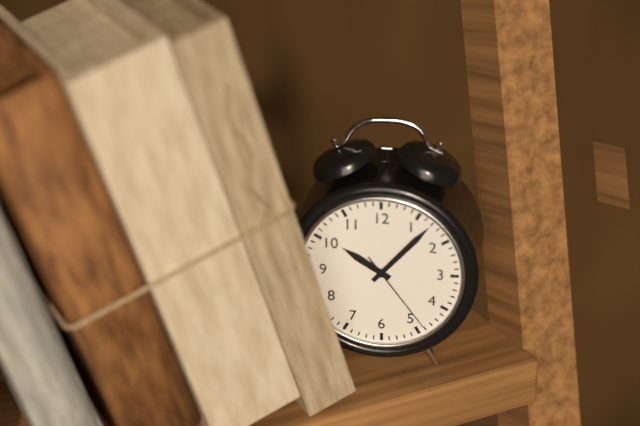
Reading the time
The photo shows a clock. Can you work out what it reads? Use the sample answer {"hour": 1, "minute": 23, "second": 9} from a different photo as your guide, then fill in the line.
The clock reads {"hour": 10, "minute": 7, "second": 24}
